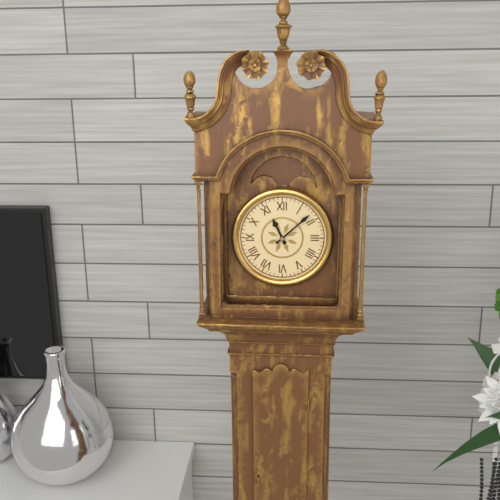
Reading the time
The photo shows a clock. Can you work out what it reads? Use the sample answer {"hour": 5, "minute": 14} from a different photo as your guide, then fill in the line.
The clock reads {"hour": 11, "minute": 8}
